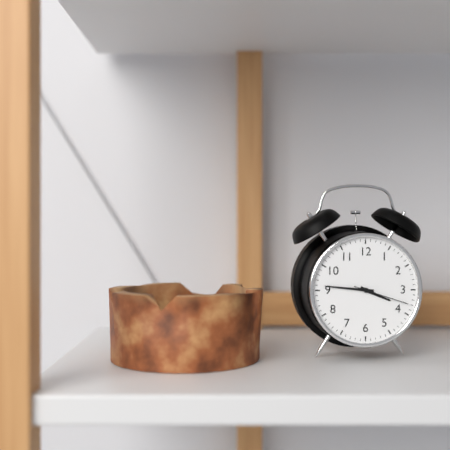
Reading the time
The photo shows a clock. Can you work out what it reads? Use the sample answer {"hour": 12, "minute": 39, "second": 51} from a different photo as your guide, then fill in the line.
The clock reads {"hour": 3, "minute": 46, "second": 18}
